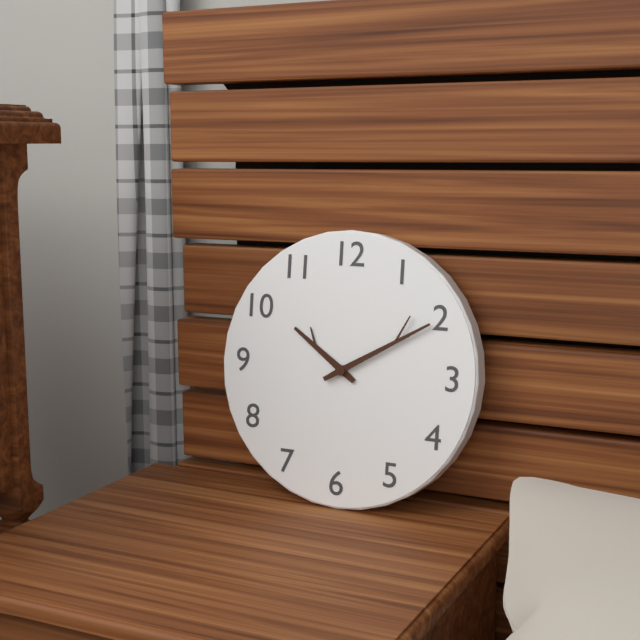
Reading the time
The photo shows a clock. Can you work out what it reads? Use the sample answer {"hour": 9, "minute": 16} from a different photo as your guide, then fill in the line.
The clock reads {"hour": 10, "minute": 10}
